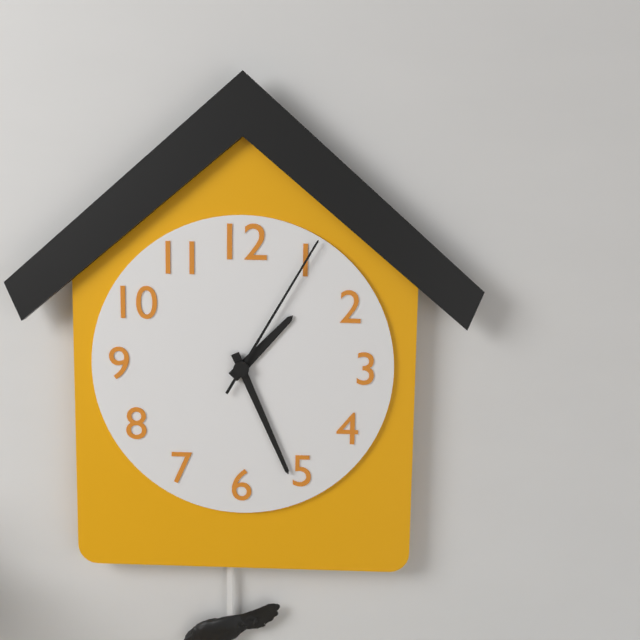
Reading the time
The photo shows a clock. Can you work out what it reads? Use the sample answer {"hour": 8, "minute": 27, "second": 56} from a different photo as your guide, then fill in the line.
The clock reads {"hour": 1, "minute": 26, "second": 5}
